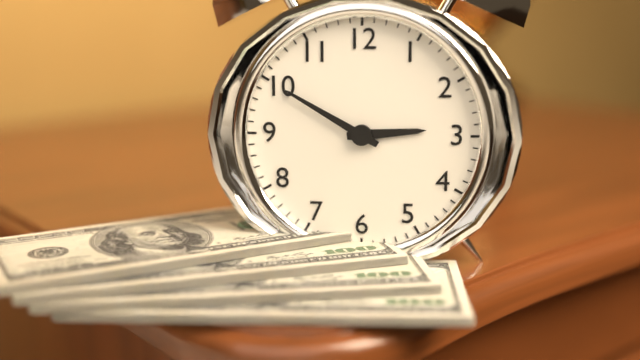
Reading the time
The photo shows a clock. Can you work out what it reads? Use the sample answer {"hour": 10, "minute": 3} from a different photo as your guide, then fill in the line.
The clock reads {"hour": 2, "minute": 50}
